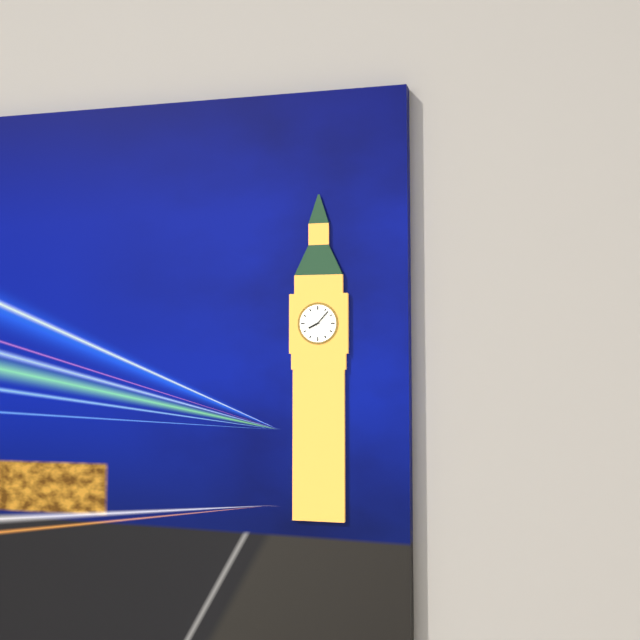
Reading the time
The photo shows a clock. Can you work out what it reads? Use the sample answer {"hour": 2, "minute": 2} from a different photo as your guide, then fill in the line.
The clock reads {"hour": 8, "minute": 7}
